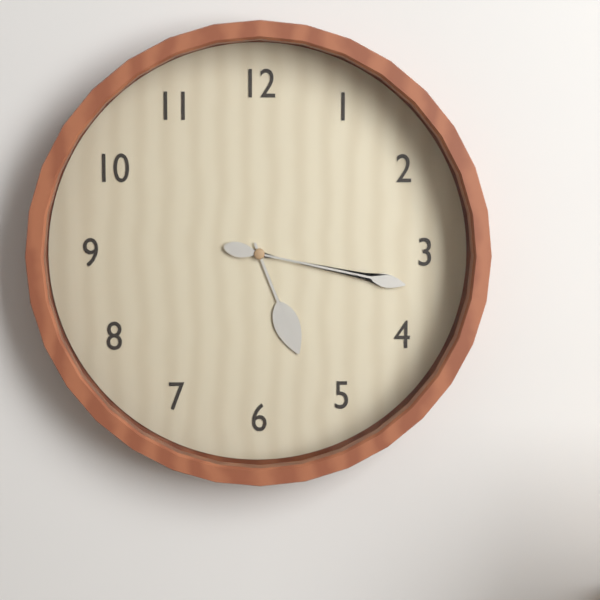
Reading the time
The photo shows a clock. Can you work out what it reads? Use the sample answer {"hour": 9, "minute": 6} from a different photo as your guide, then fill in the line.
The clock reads {"hour": 5, "minute": 17}
